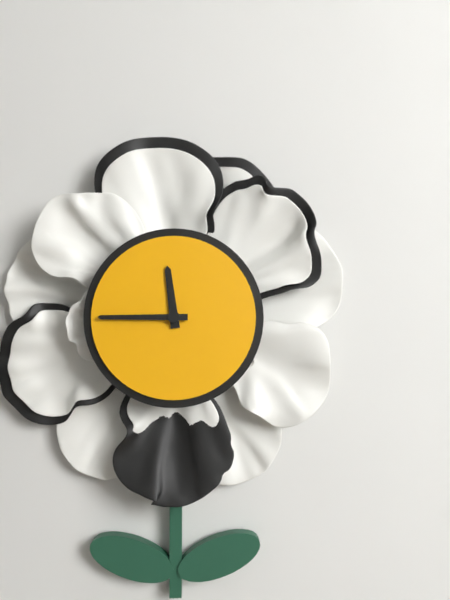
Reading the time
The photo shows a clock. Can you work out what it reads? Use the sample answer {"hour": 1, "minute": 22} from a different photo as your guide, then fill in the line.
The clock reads {"hour": 11, "minute": 45}
